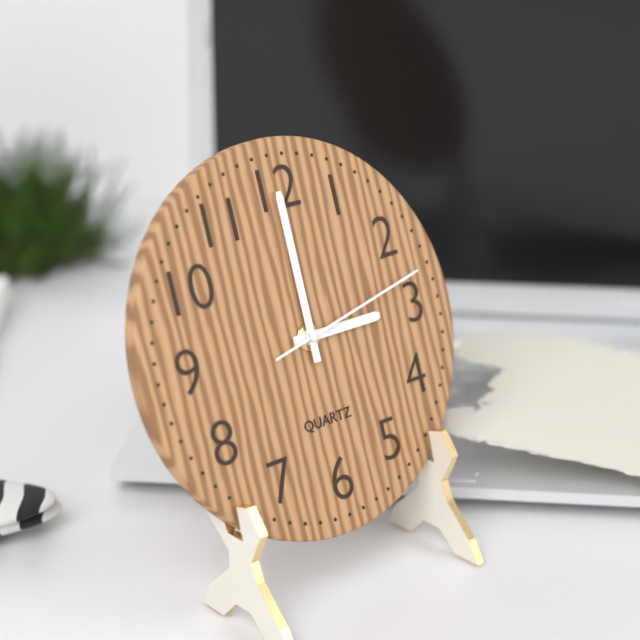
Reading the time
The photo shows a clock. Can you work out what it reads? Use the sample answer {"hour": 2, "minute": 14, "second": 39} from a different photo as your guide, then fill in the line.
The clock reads {"hour": 3, "minute": 0, "second": 13}
